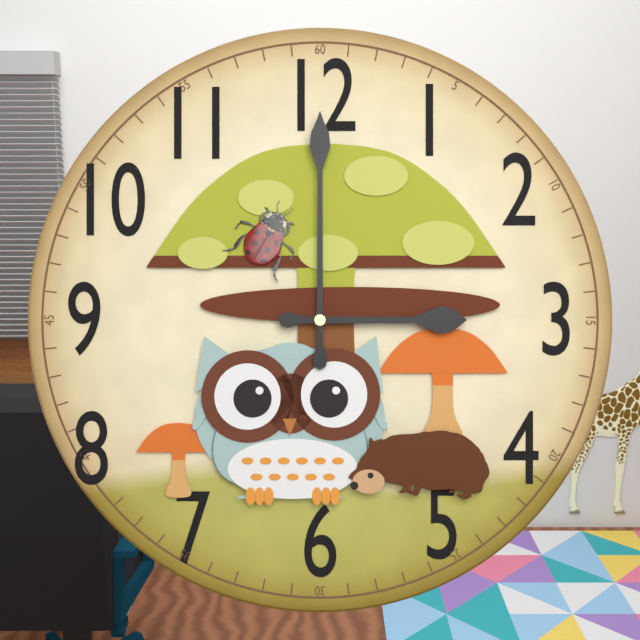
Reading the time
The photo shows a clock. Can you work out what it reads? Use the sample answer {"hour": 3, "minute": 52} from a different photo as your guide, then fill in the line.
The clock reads {"hour": 3, "minute": 0}
